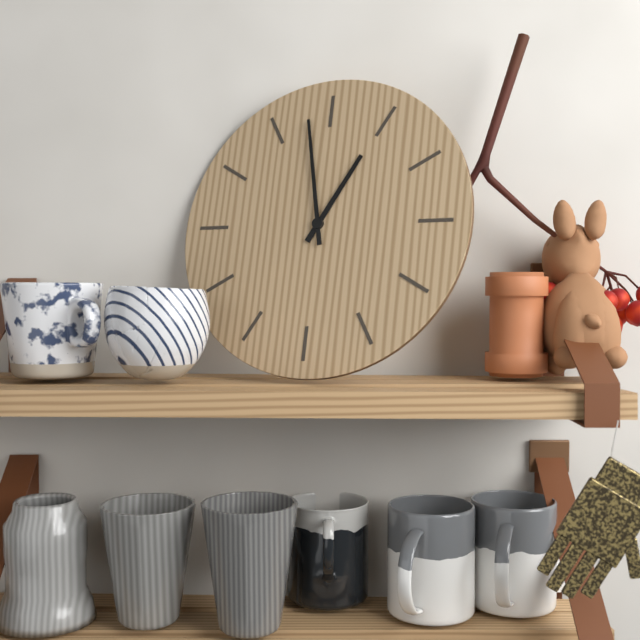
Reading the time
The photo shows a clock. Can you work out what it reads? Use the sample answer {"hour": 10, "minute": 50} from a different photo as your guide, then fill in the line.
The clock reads {"hour": 12, "minute": 58}
